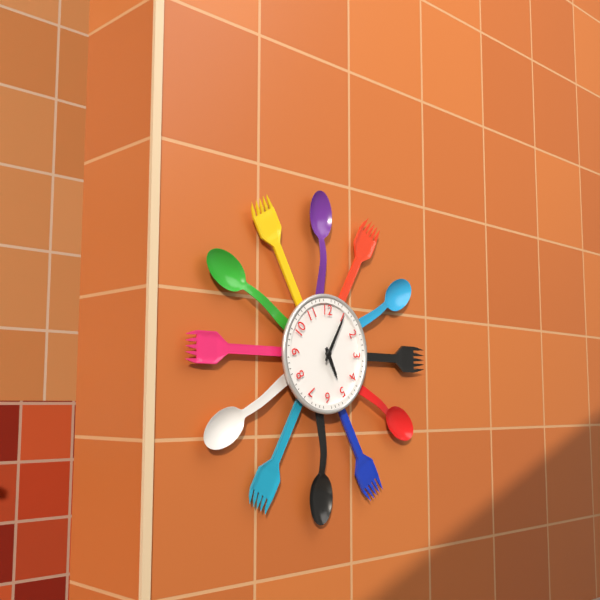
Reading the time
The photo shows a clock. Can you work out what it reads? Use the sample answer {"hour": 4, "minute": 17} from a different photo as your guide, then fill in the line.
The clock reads {"hour": 5, "minute": 5}
